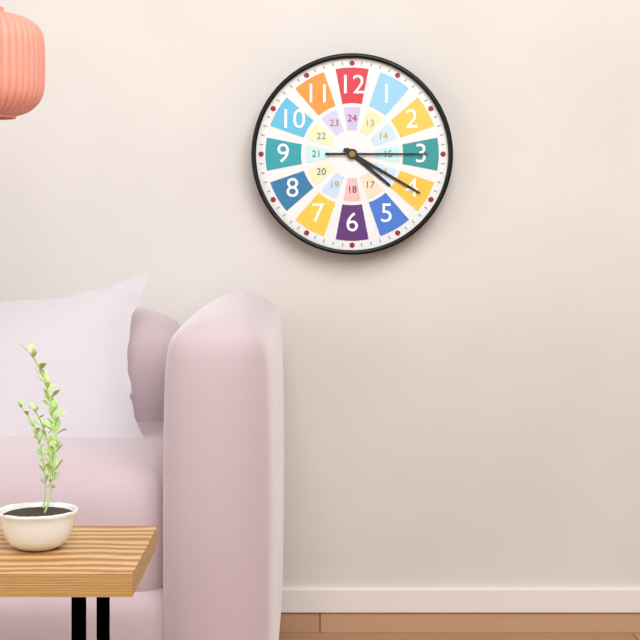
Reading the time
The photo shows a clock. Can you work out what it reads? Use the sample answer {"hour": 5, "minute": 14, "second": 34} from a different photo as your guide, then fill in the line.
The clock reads {"hour": 4, "minute": 20, "second": 15}
